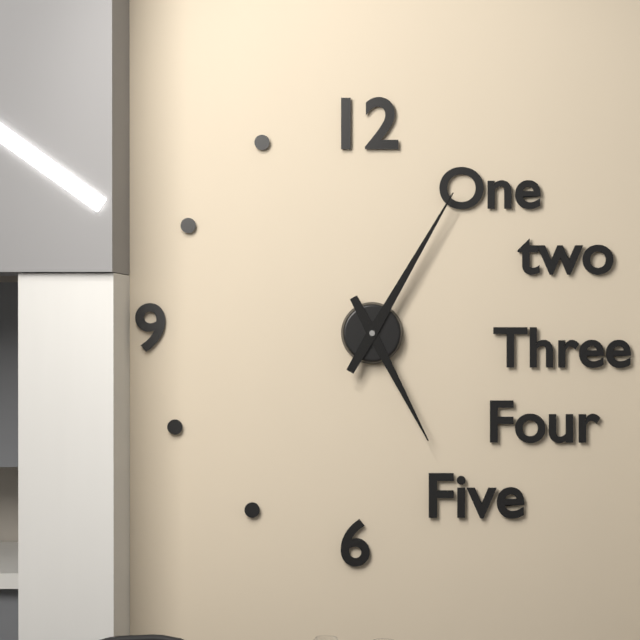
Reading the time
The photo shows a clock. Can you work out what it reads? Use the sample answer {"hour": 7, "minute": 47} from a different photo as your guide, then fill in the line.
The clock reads {"hour": 5, "minute": 5}
